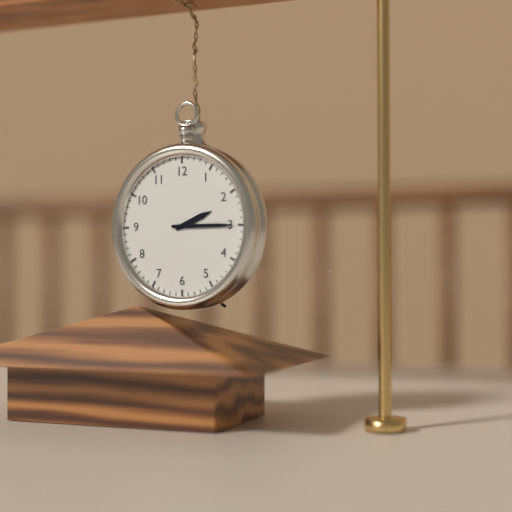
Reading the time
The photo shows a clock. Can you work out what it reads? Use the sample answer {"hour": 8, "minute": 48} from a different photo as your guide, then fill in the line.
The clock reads {"hour": 2, "minute": 15}
